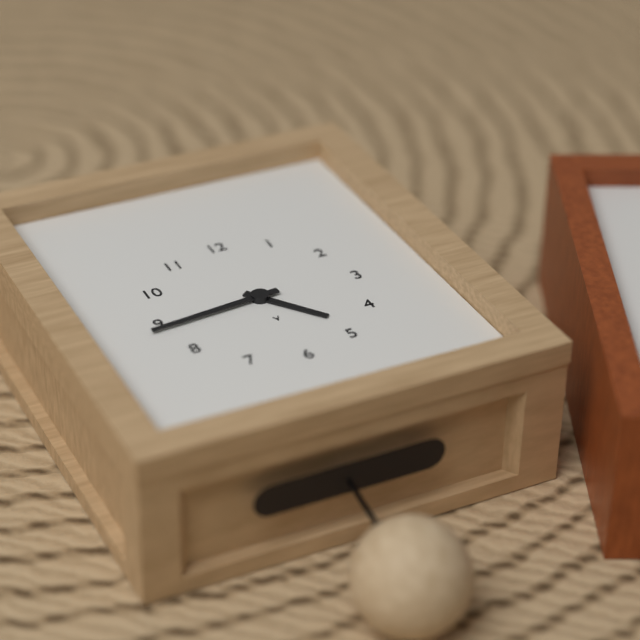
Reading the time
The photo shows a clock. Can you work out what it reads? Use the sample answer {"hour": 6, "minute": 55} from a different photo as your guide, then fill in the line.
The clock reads {"hour": 4, "minute": 44}
